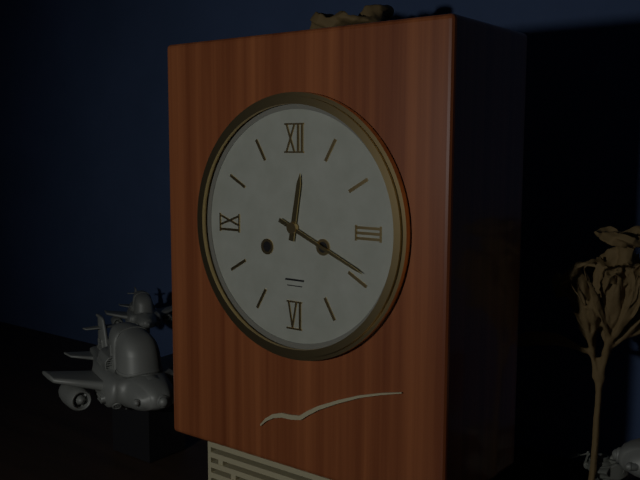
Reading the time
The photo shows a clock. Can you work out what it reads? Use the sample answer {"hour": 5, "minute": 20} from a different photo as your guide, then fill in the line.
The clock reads {"hour": 12, "minute": 19}
